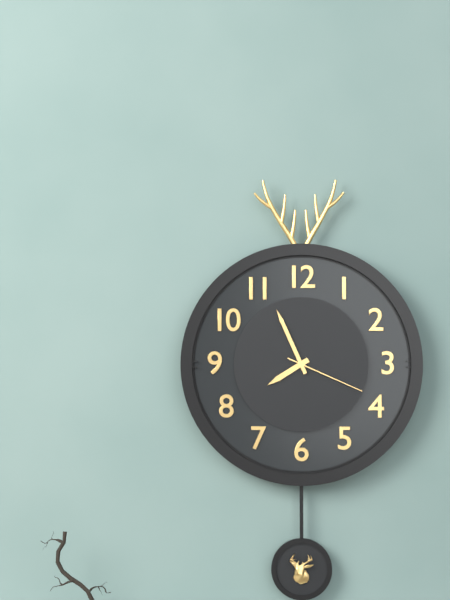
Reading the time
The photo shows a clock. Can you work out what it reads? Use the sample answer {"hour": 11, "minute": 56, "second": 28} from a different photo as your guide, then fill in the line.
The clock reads {"hour": 7, "minute": 56, "second": 19}
